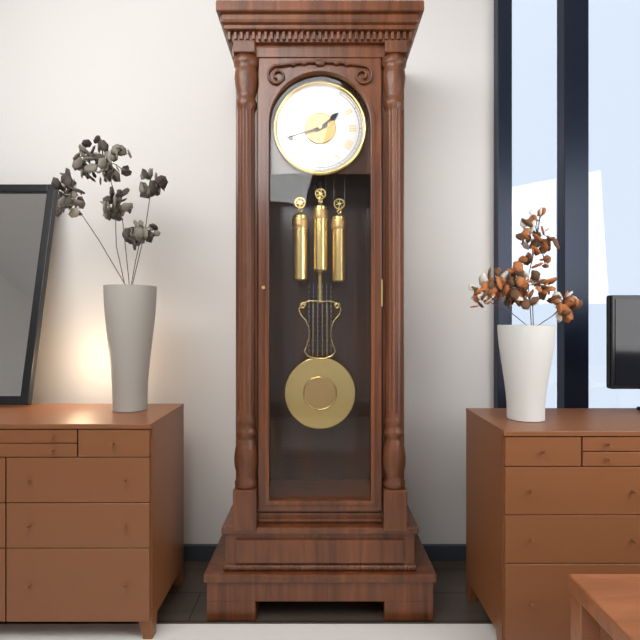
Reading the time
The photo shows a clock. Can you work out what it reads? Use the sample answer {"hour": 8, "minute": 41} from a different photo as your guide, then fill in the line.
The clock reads {"hour": 1, "minute": 42}
